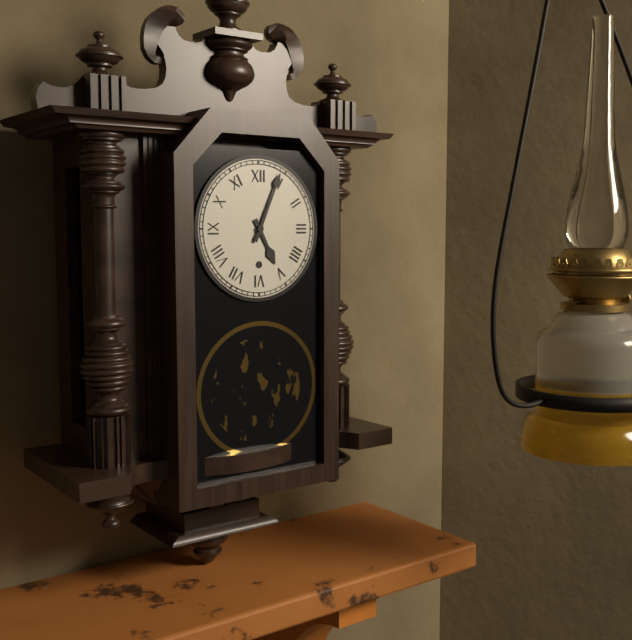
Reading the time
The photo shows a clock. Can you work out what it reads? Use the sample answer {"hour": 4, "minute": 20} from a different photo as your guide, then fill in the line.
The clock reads {"hour": 5, "minute": 4}
